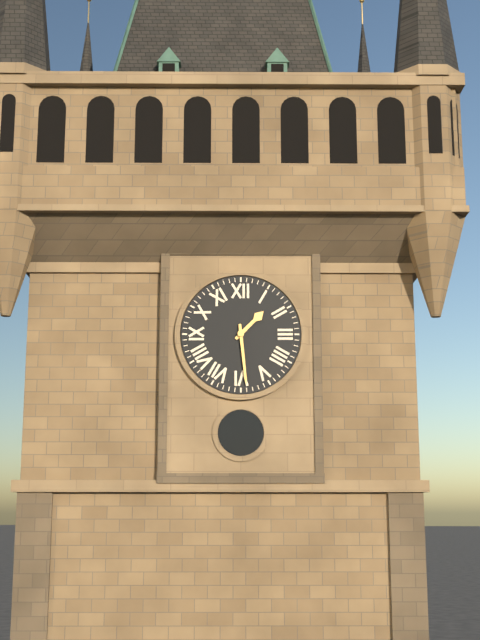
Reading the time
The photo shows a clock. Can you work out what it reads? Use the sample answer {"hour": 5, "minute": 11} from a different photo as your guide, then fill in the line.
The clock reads {"hour": 1, "minute": 29}
